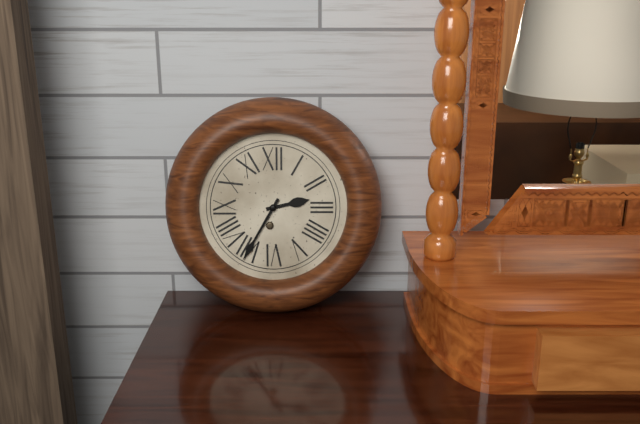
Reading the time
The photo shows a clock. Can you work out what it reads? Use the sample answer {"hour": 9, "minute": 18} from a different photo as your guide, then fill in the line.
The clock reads {"hour": 2, "minute": 35}
